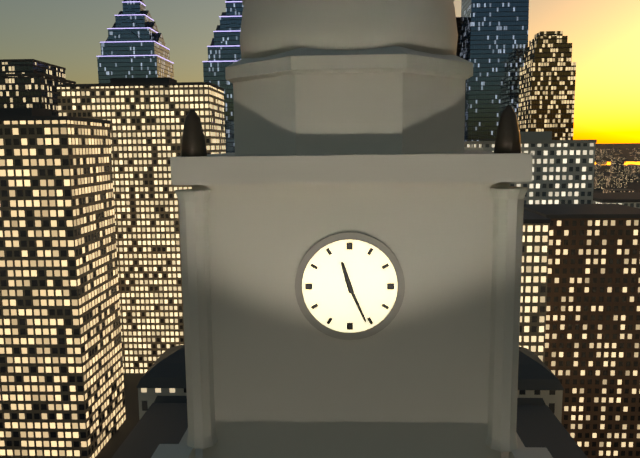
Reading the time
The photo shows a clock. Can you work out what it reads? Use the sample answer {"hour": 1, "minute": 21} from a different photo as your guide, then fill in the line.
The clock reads {"hour": 11, "minute": 26}
